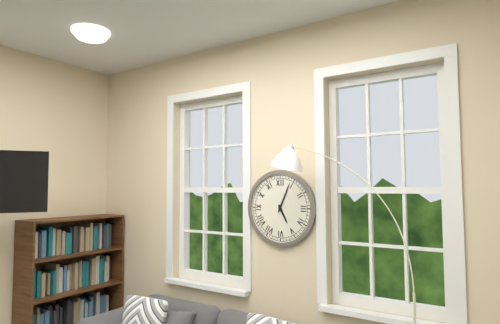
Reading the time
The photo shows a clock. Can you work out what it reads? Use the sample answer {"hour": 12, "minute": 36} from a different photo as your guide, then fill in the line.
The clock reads {"hour": 5, "minute": 4}
